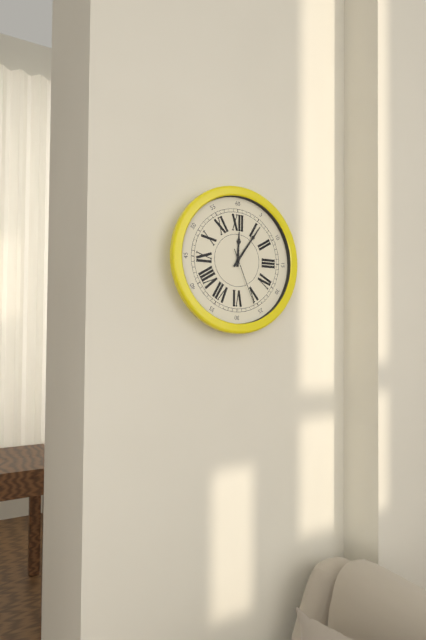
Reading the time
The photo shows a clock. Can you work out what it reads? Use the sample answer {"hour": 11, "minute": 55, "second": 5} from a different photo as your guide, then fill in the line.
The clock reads {"hour": 12, "minute": 6, "second": 26}
